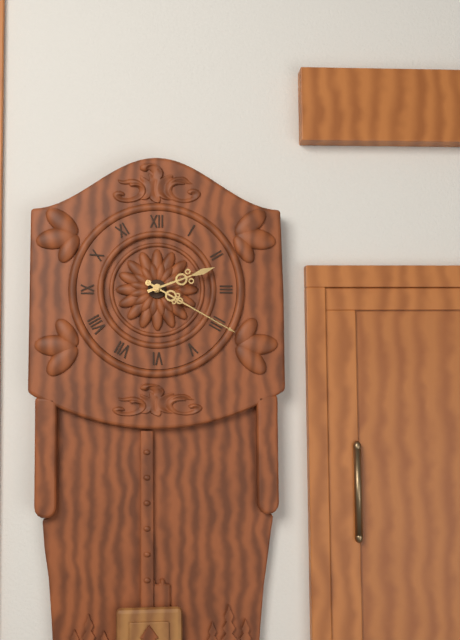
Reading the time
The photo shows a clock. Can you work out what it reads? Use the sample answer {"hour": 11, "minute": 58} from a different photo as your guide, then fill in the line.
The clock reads {"hour": 2, "minute": 20}
